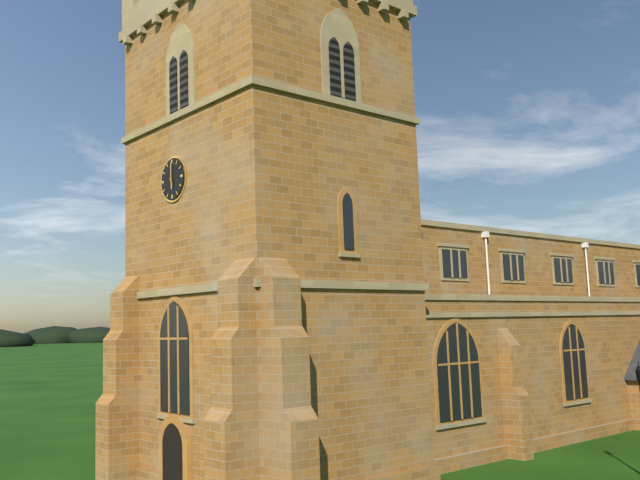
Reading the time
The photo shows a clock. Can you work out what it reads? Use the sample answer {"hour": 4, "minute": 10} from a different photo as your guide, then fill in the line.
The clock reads {"hour": 6, "minute": 0}
